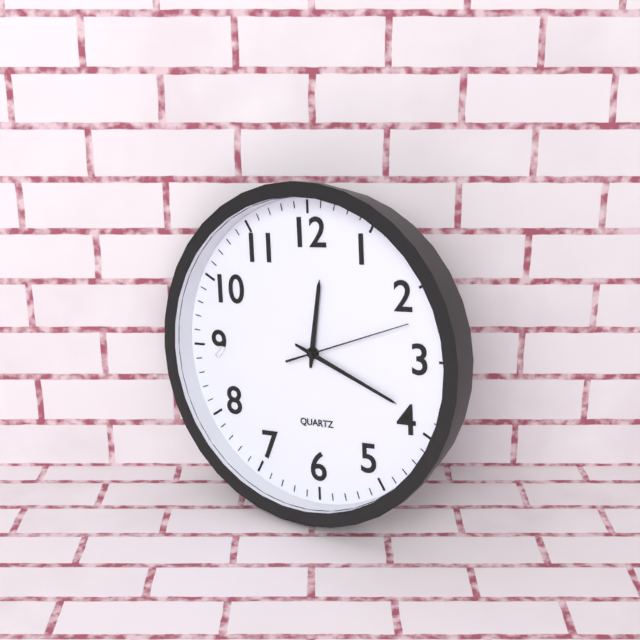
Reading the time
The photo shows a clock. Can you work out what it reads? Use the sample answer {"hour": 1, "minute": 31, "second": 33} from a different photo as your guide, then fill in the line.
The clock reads {"hour": 12, "minute": 19, "second": 12}
